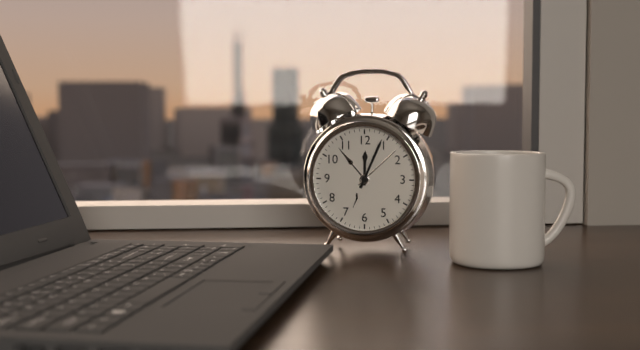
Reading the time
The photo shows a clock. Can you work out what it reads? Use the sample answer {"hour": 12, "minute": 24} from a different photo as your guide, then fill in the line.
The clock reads {"hour": 12, "minute": 4}
